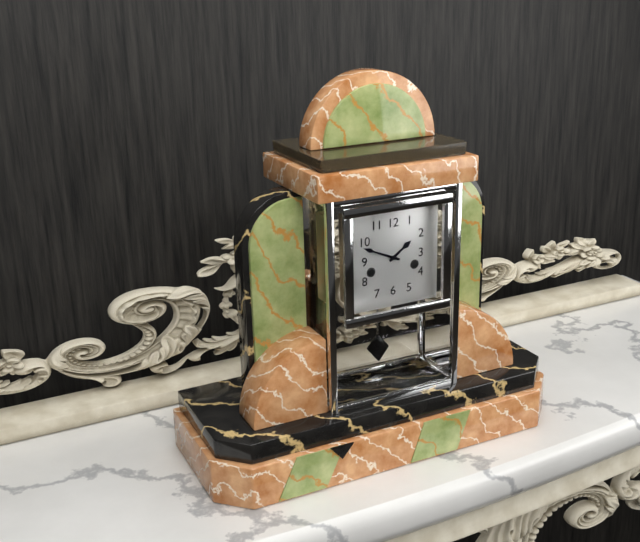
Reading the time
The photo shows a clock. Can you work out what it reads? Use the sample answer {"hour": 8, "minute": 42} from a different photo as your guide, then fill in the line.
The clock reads {"hour": 1, "minute": 49}
